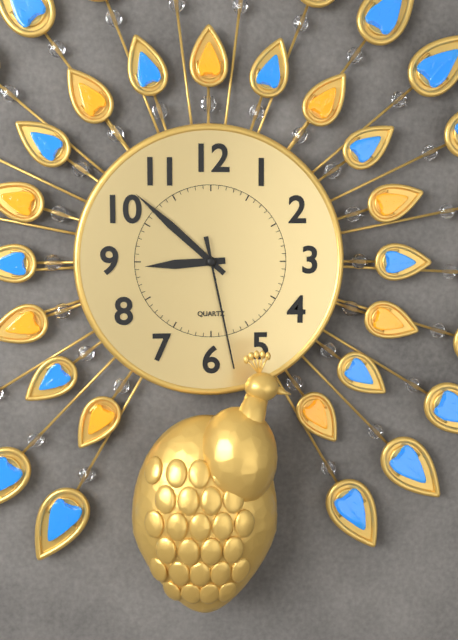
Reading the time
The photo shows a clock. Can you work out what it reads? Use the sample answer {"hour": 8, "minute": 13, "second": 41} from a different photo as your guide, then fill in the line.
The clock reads {"hour": 8, "minute": 52, "second": 28}
